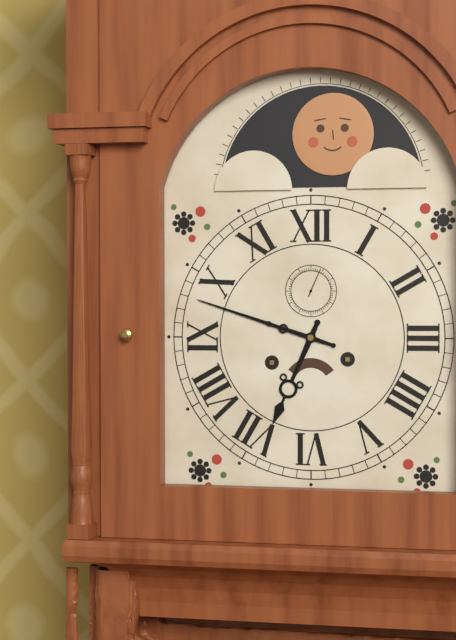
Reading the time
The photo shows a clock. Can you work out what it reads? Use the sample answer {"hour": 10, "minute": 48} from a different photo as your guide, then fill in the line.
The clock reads {"hour": 6, "minute": 48}
